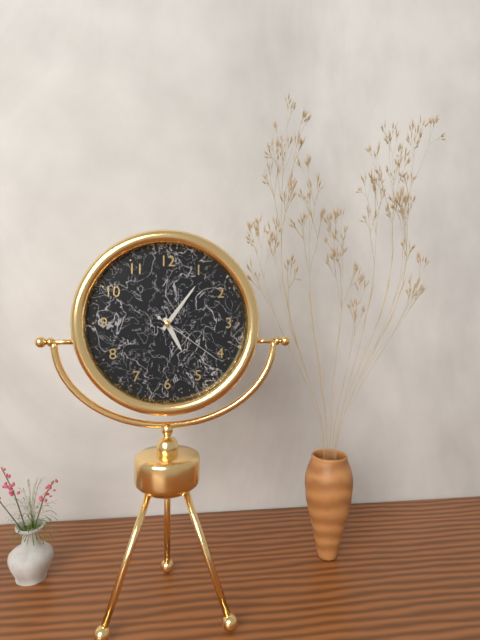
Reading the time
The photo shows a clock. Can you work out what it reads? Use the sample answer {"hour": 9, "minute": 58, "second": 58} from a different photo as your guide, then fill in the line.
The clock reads {"hour": 5, "minute": 6, "second": 21}
